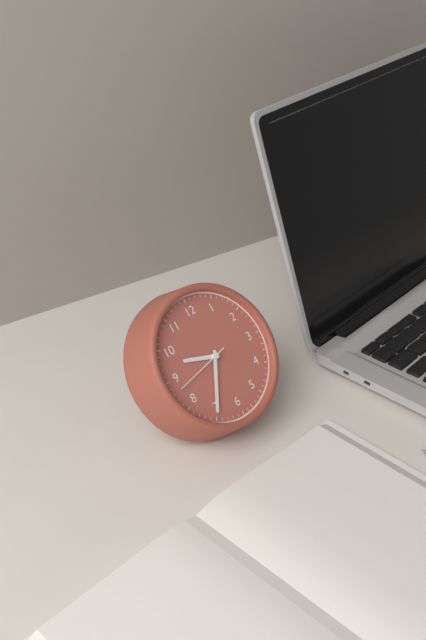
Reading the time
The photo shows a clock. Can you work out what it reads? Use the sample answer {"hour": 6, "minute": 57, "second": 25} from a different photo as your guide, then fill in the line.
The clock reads {"hour": 9, "minute": 35, "second": 43}
